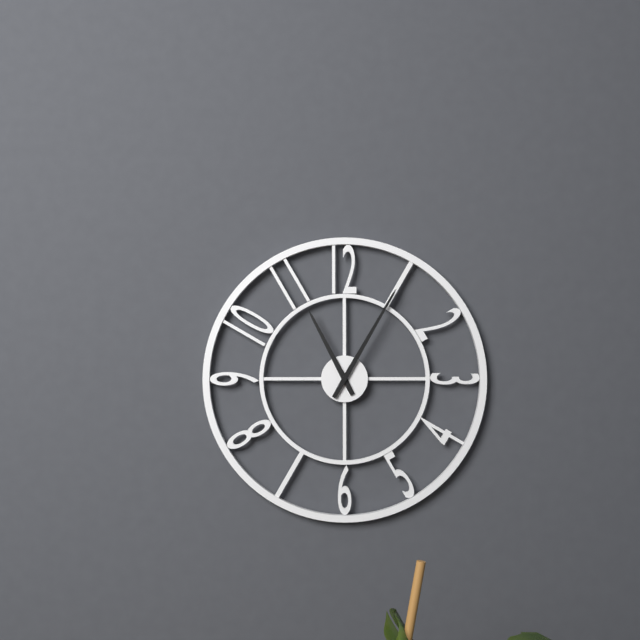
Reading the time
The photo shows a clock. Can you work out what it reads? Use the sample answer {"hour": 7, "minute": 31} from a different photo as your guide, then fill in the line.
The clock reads {"hour": 11, "minute": 5}
